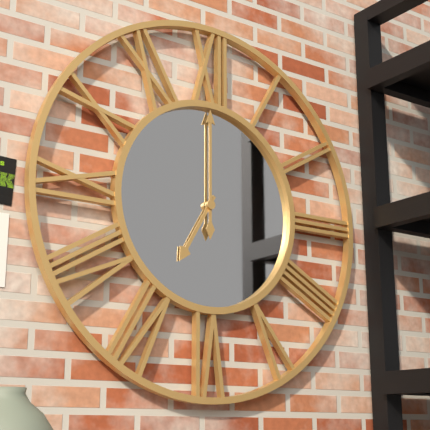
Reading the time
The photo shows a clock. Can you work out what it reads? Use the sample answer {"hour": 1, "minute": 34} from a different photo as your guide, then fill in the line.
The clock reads {"hour": 7, "minute": 0}
